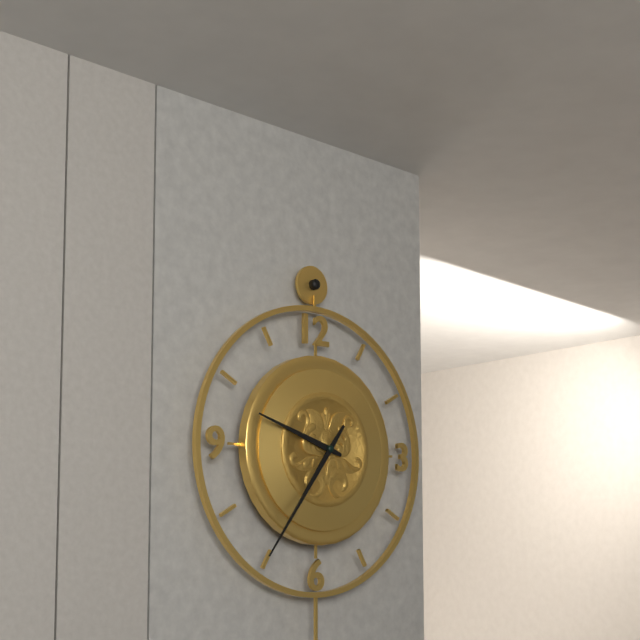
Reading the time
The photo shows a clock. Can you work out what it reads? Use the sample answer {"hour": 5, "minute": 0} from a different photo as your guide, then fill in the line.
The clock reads {"hour": 9, "minute": 36}
